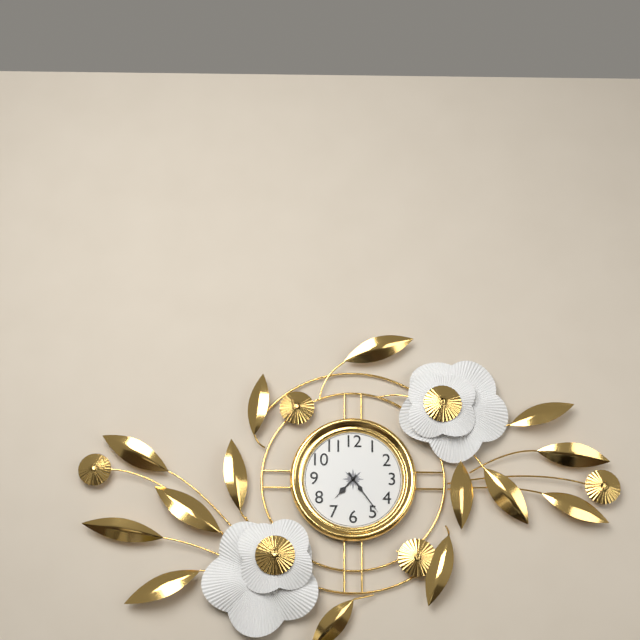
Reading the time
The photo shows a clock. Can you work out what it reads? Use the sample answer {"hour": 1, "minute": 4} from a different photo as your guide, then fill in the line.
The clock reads {"hour": 7, "minute": 24}
